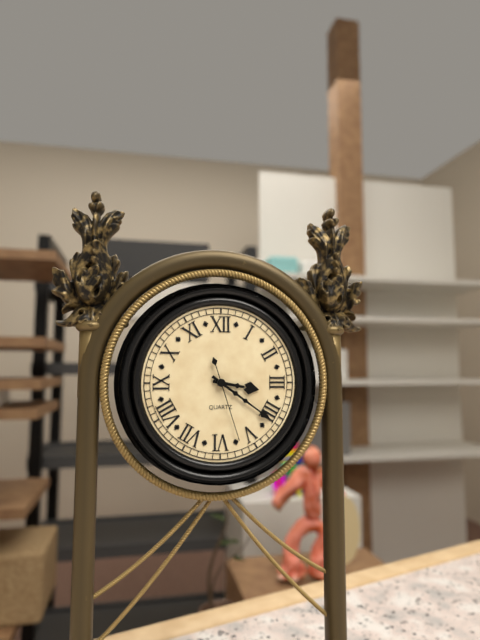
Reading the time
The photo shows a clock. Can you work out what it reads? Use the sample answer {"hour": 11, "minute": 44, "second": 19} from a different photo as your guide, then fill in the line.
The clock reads {"hour": 3, "minute": 21, "second": 27}
